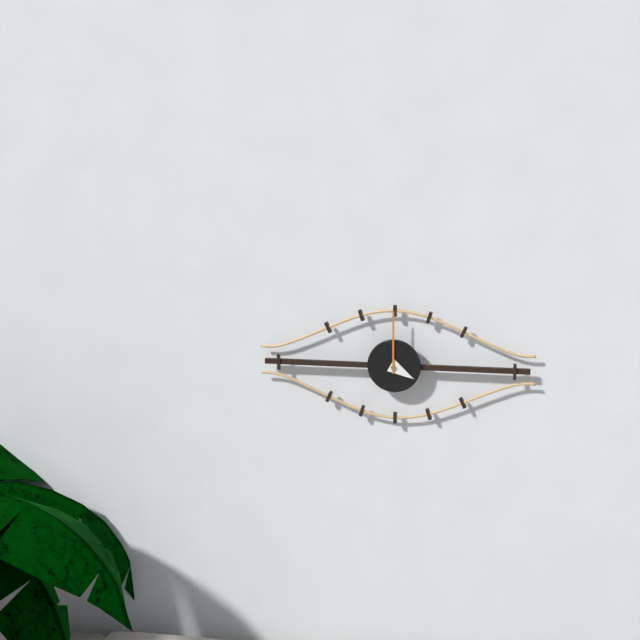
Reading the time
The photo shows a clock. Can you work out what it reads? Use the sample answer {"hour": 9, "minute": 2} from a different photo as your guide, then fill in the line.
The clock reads {"hour": 4, "minute": 0}
